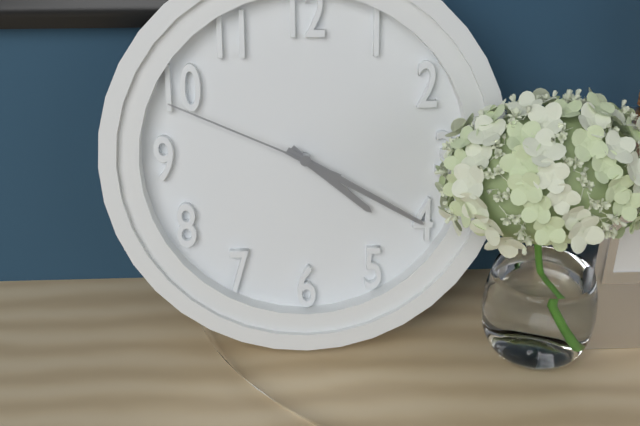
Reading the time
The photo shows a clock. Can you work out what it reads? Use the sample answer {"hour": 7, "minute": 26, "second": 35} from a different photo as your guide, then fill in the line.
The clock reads {"hour": 4, "minute": 20, "second": 49}
